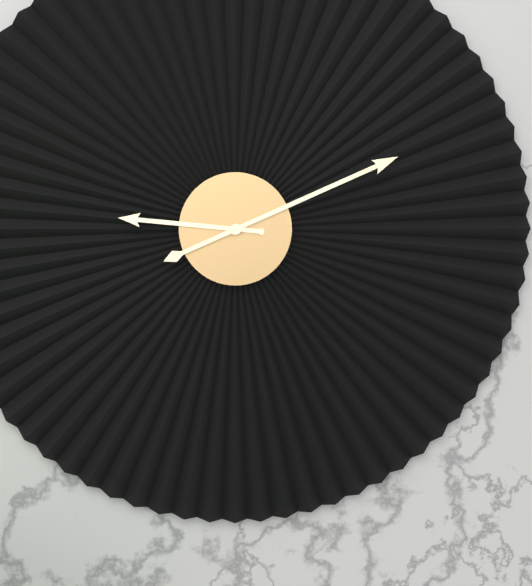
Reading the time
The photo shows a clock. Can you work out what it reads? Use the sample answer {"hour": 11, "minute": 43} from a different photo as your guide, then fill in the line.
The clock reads {"hour": 9, "minute": 11}
